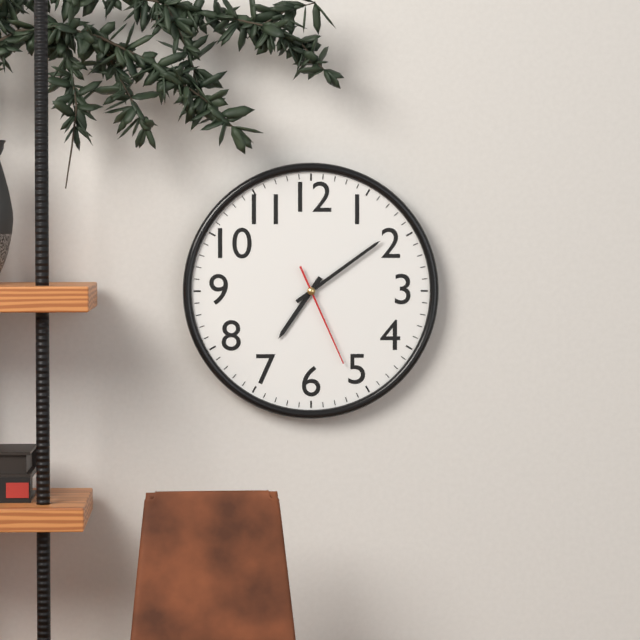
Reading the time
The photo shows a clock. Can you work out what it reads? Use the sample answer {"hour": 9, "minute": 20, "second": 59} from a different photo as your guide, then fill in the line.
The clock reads {"hour": 7, "minute": 9, "second": 26}
